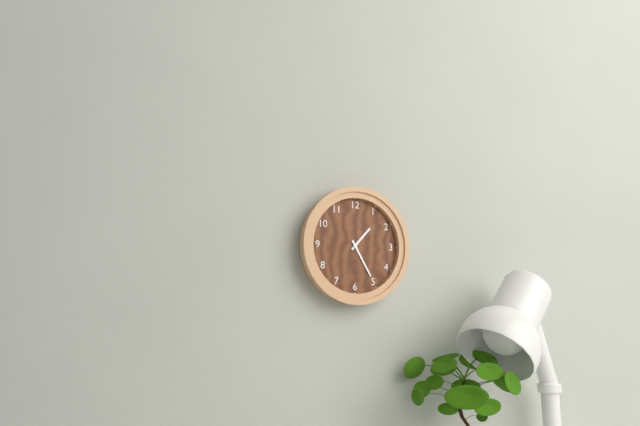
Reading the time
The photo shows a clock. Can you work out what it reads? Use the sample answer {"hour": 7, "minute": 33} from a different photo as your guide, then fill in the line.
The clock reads {"hour": 1, "minute": 25}
